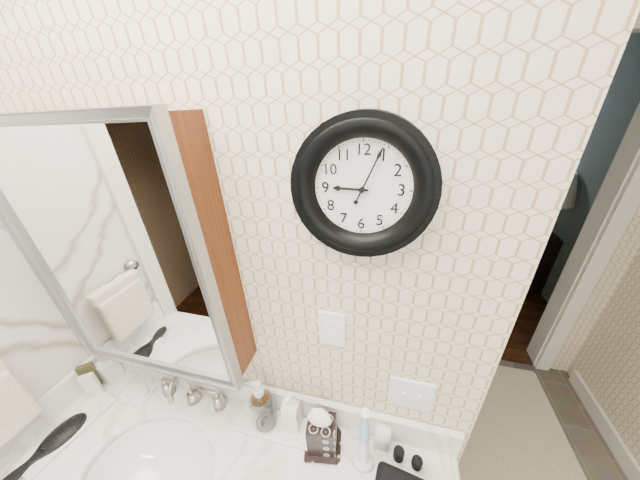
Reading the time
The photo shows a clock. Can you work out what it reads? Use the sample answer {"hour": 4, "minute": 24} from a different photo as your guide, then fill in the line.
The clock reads {"hour": 9, "minute": 4}
